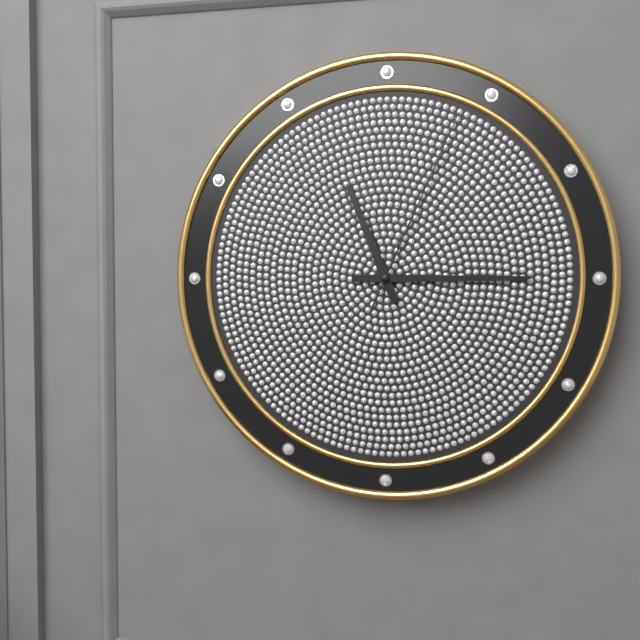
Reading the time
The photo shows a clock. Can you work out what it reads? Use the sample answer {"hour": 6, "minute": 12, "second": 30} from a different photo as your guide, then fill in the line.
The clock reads {"hour": 11, "minute": 15, "second": 4}
